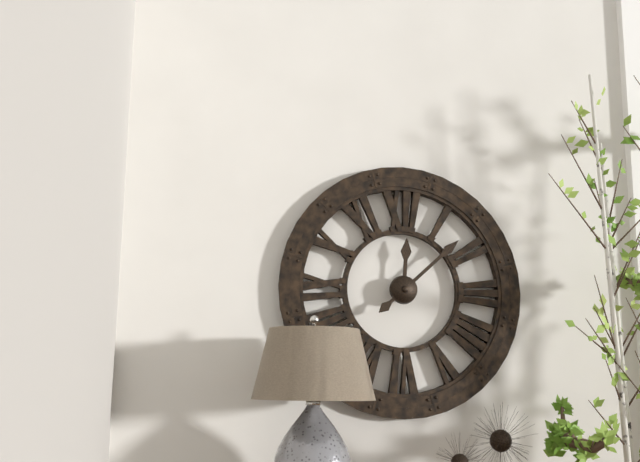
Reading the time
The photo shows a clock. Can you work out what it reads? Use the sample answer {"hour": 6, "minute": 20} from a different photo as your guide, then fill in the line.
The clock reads {"hour": 12, "minute": 8}
